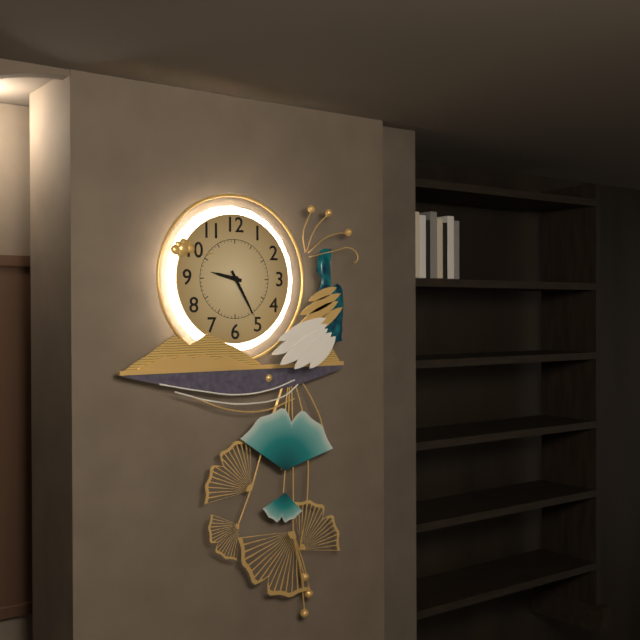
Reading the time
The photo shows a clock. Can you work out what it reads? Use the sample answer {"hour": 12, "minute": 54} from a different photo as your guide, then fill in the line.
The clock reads {"hour": 9, "minute": 25}
